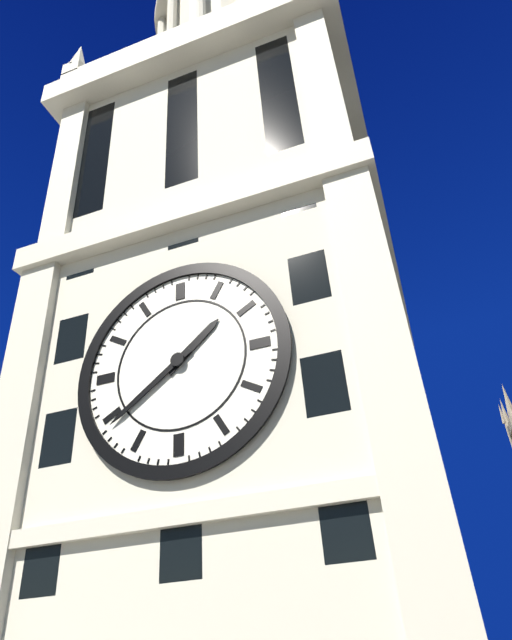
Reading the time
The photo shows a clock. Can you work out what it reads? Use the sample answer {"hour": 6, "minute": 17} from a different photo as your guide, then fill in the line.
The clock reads {"hour": 1, "minute": 39}
